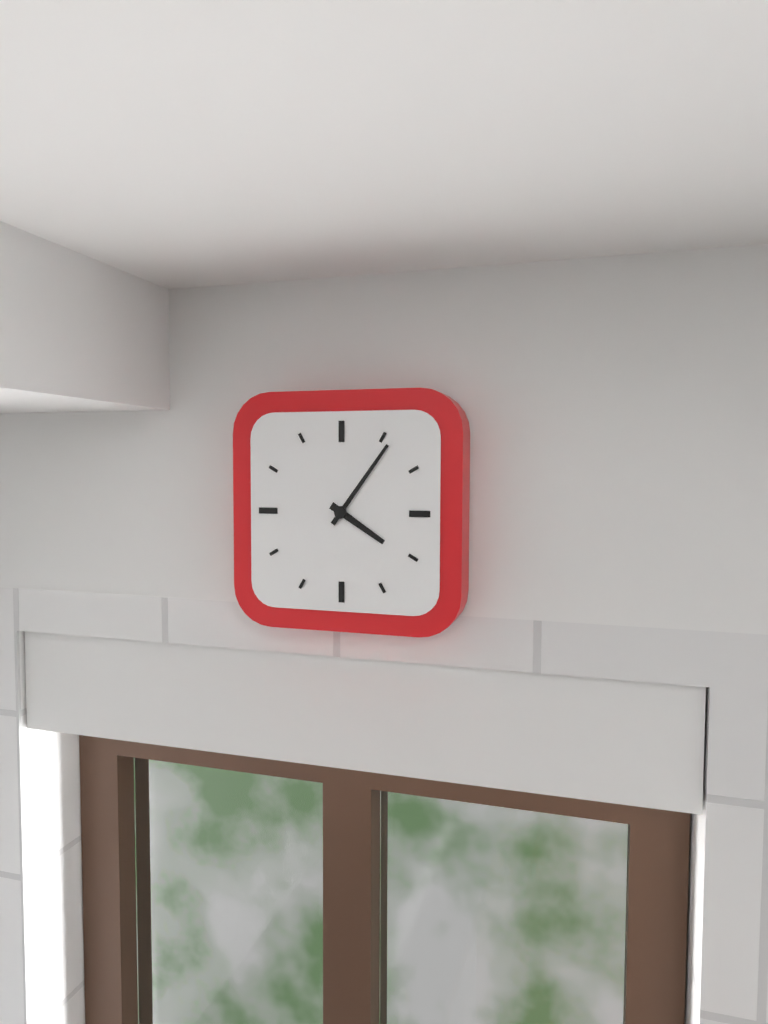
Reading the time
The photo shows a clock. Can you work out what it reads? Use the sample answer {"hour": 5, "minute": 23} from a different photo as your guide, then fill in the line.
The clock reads {"hour": 4, "minute": 6}
